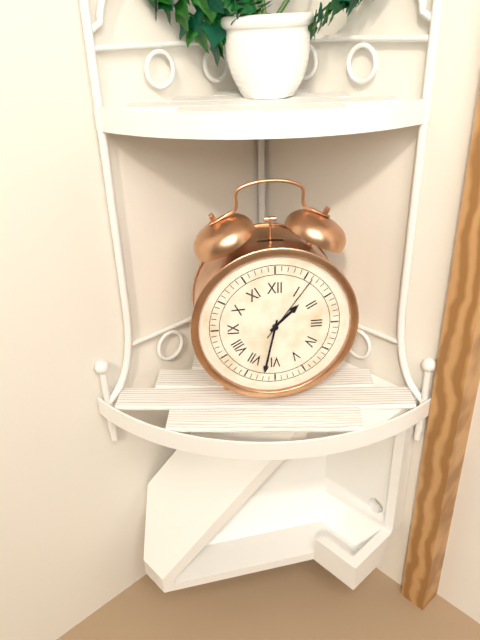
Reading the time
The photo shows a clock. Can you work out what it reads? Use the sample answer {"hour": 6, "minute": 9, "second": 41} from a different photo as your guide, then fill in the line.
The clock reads {"hour": 1, "minute": 32, "second": 6}
